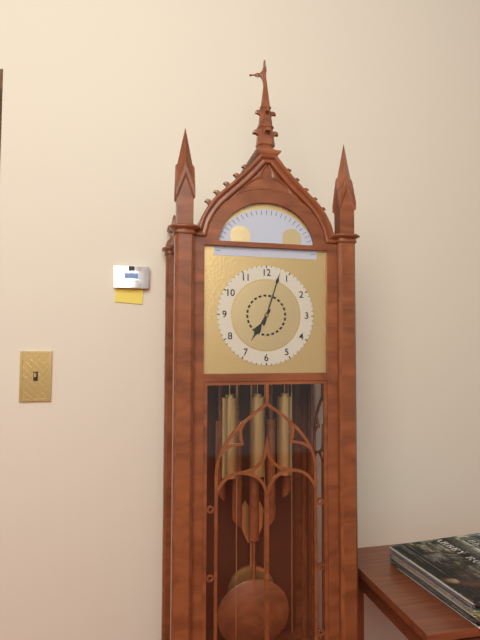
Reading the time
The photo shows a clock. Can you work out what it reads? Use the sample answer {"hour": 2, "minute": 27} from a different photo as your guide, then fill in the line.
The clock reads {"hour": 7, "minute": 3}
